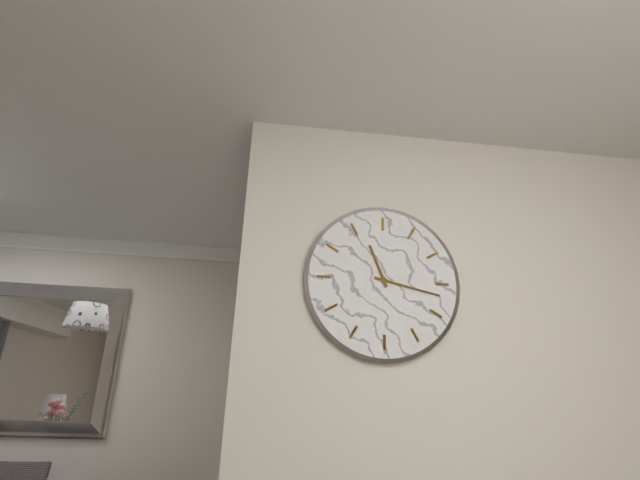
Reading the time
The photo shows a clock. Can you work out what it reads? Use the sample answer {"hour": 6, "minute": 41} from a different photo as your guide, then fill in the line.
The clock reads {"hour": 11, "minute": 17}
